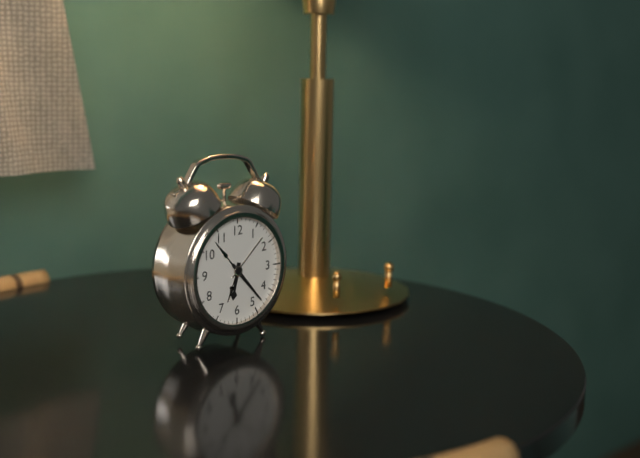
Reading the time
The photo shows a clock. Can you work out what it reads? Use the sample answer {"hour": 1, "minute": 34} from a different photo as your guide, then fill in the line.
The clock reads {"hour": 6, "minute": 23}
